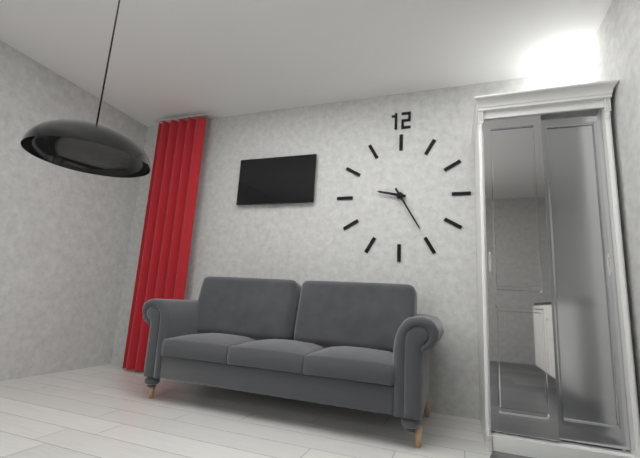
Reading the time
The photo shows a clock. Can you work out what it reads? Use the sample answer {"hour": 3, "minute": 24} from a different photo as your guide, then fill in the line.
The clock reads {"hour": 9, "minute": 25}
